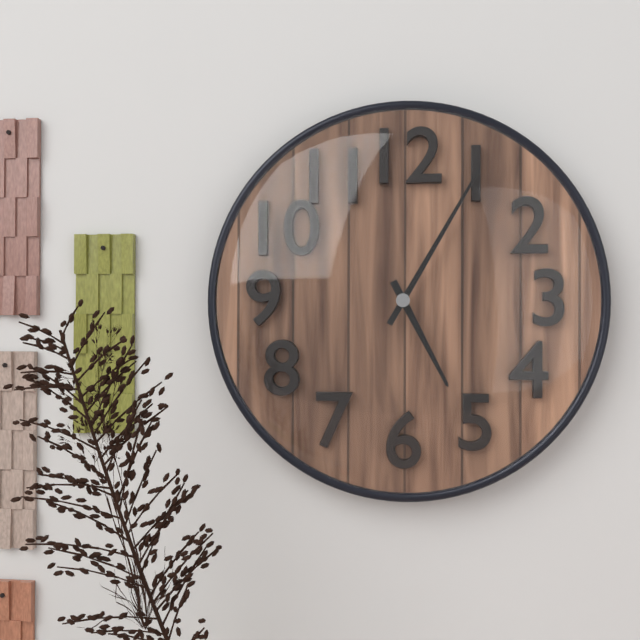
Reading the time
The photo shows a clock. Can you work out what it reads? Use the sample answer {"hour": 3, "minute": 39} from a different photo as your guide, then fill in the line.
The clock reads {"hour": 5, "minute": 5}
